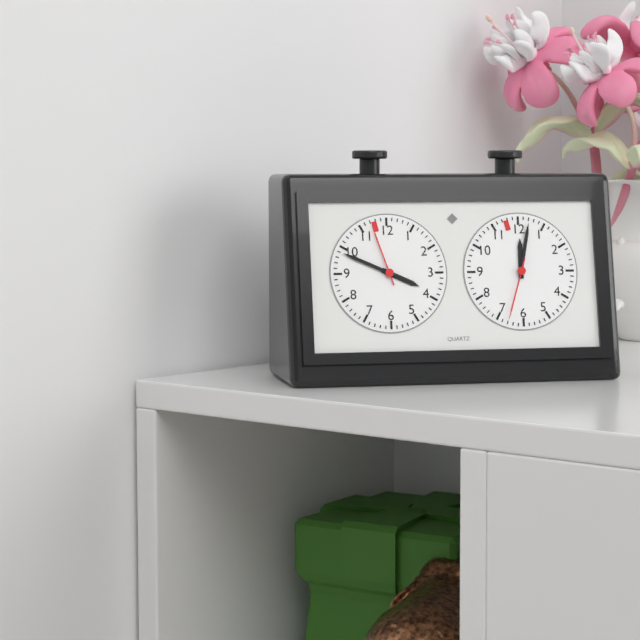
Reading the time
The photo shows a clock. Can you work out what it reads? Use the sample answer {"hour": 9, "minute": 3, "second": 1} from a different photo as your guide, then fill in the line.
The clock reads {"hour": 3, "minute": 49, "second": 57}
